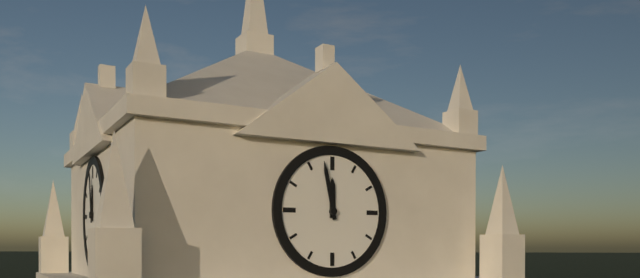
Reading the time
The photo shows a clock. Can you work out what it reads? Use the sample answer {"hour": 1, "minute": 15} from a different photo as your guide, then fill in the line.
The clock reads {"hour": 11, "minute": 58}
